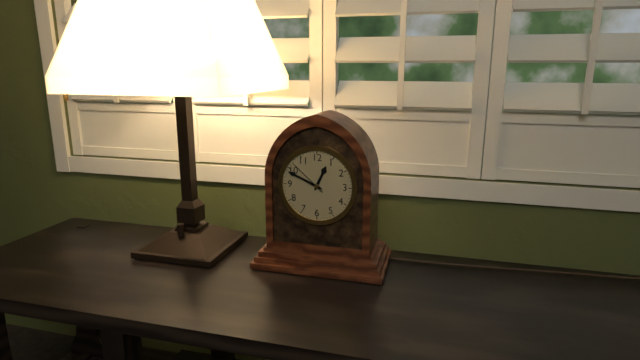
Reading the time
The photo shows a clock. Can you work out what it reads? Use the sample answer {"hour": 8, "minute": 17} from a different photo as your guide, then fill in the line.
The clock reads {"hour": 12, "minute": 49}
